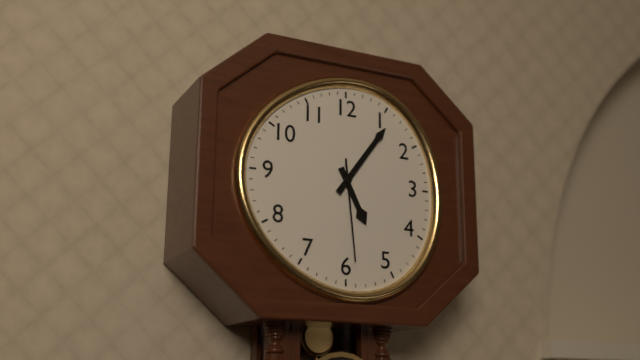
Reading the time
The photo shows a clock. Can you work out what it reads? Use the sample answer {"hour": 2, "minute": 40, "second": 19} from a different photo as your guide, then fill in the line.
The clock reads {"hour": 5, "minute": 6, "second": 29}
